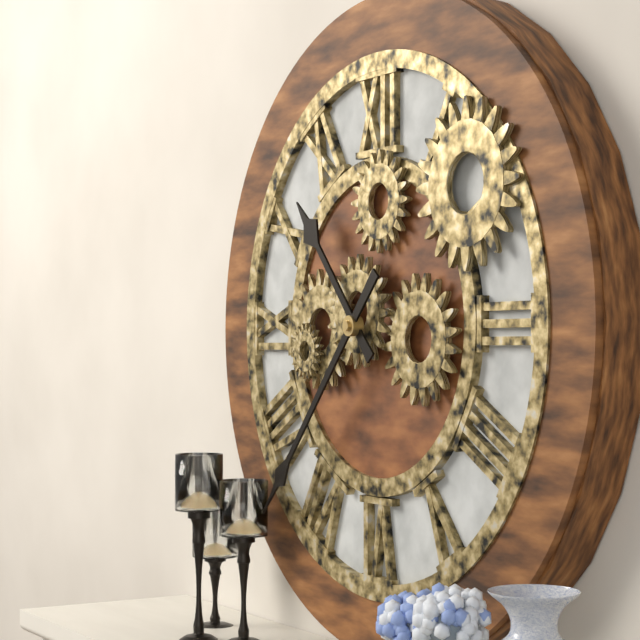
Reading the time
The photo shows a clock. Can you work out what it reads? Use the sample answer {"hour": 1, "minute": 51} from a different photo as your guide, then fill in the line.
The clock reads {"hour": 10, "minute": 37}
